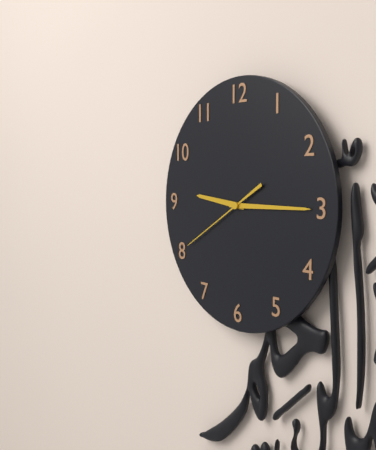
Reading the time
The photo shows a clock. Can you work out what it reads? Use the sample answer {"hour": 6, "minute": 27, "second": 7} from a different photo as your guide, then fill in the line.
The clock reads {"hour": 9, "minute": 15, "second": 40}
